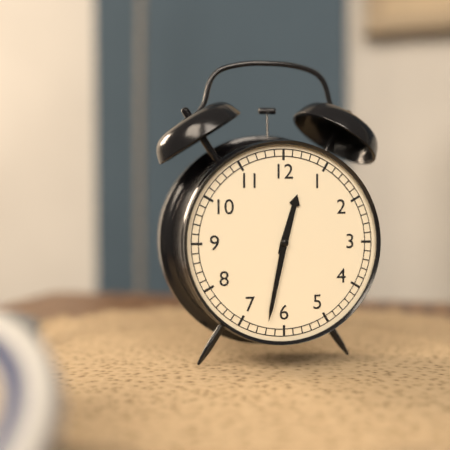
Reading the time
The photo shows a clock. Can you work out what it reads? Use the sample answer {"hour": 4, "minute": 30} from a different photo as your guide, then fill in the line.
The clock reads {"hour": 12, "minute": 32}
